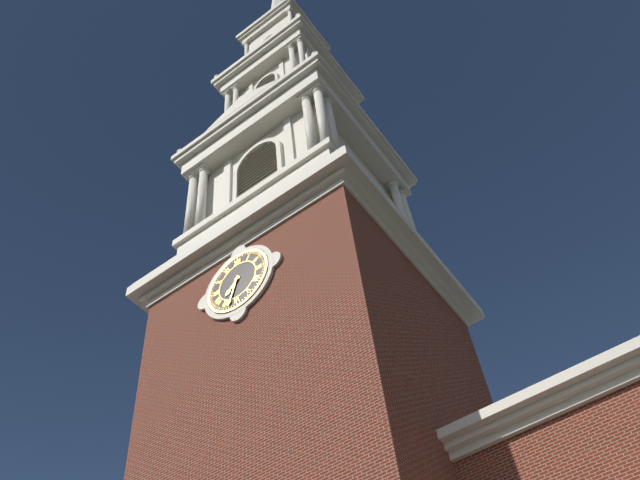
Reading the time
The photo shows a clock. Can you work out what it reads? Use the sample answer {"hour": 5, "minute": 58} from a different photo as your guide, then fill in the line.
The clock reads {"hour": 7, "minute": 33}
